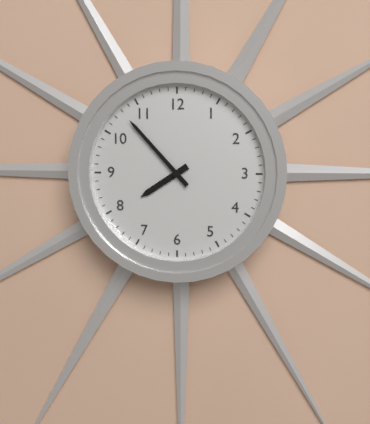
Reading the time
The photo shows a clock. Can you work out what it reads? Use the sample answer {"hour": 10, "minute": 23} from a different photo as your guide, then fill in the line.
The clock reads {"hour": 7, "minute": 53}
